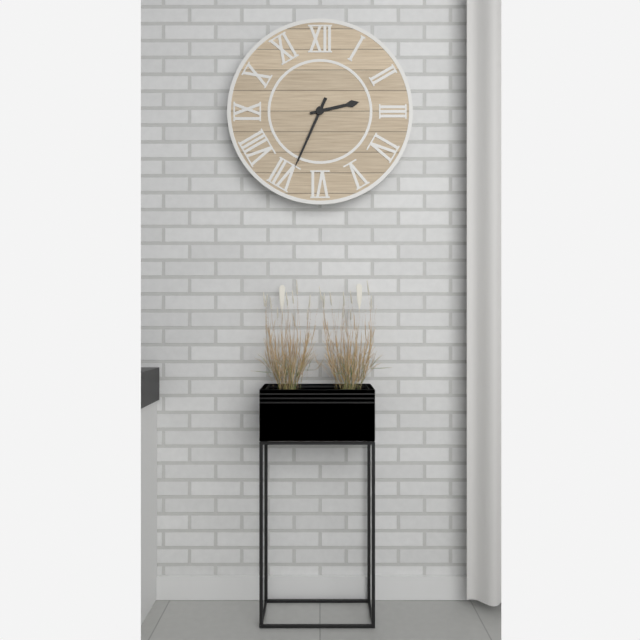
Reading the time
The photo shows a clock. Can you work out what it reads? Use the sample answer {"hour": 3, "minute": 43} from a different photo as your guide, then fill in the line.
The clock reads {"hour": 2, "minute": 34}
